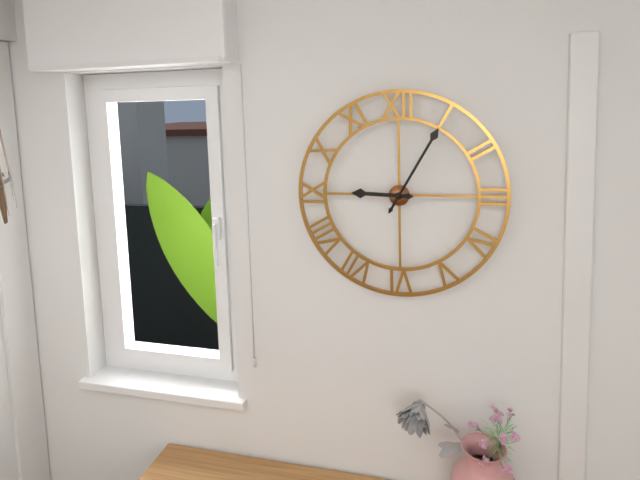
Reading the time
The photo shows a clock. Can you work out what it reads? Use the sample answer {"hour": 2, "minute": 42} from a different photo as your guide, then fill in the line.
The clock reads {"hour": 9, "minute": 5}
